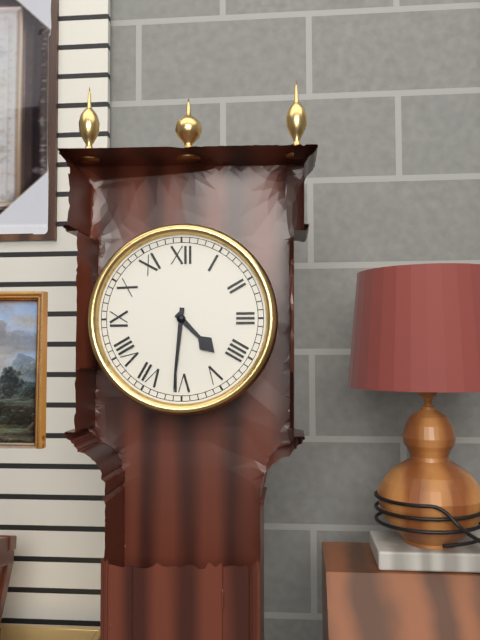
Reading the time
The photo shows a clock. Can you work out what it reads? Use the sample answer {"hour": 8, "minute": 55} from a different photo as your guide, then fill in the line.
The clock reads {"hour": 4, "minute": 31}
